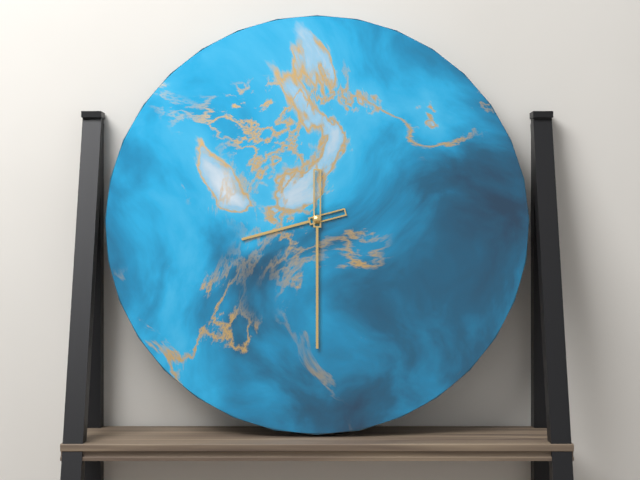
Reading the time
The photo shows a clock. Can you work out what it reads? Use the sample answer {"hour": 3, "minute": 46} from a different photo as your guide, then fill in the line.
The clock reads {"hour": 8, "minute": 30}
